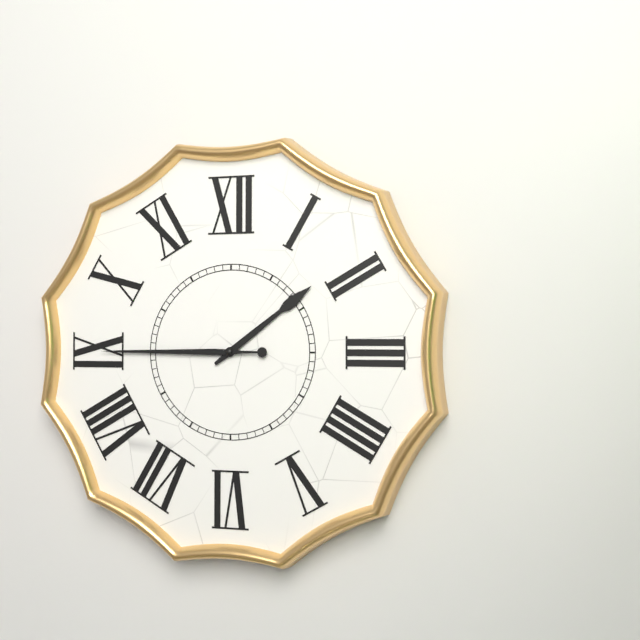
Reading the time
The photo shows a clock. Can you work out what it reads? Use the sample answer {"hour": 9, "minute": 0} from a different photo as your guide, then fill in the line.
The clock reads {"hour": 1, "minute": 45}
